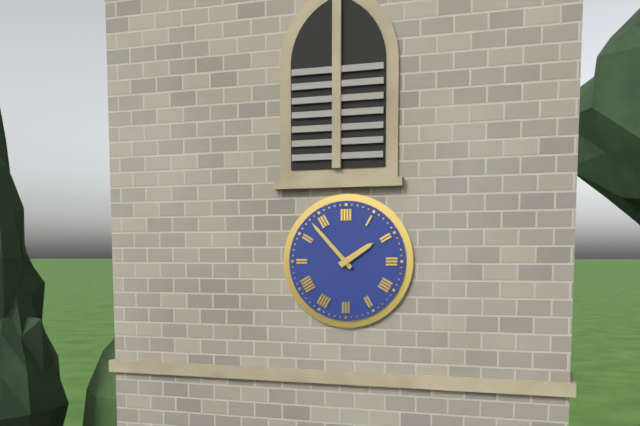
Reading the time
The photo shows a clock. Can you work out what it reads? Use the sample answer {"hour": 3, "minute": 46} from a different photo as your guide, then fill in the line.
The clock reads {"hour": 1, "minute": 53}
